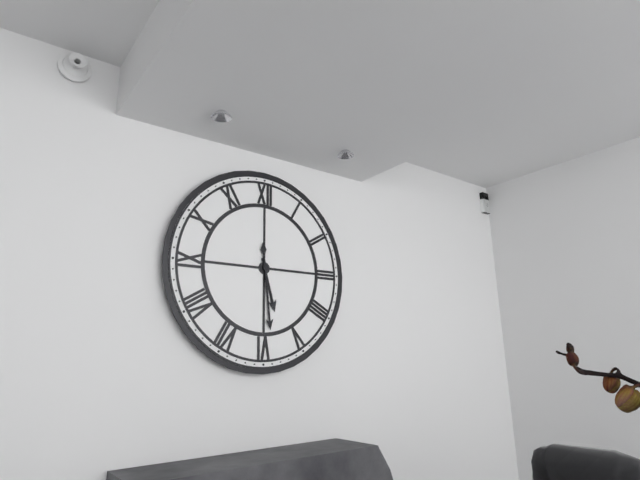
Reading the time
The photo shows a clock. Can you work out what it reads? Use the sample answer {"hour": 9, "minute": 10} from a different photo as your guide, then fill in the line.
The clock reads {"hour": 5, "minute": 29}
